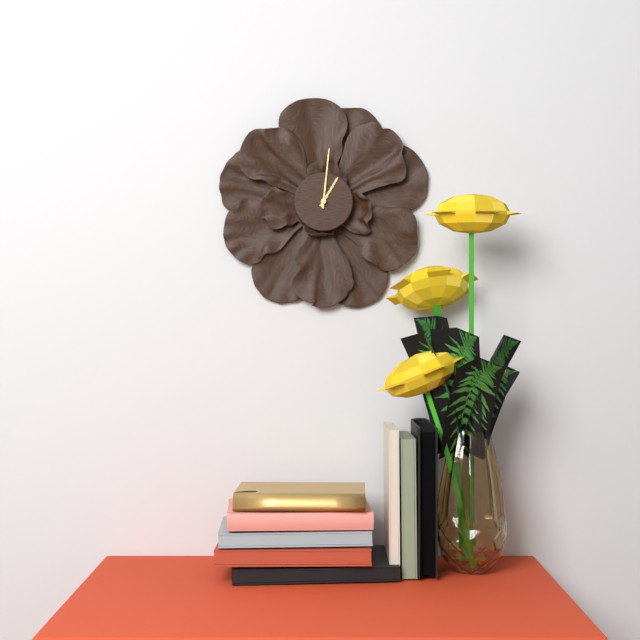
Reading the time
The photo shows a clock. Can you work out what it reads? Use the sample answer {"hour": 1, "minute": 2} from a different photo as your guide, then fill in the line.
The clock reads {"hour": 1, "minute": 1}
